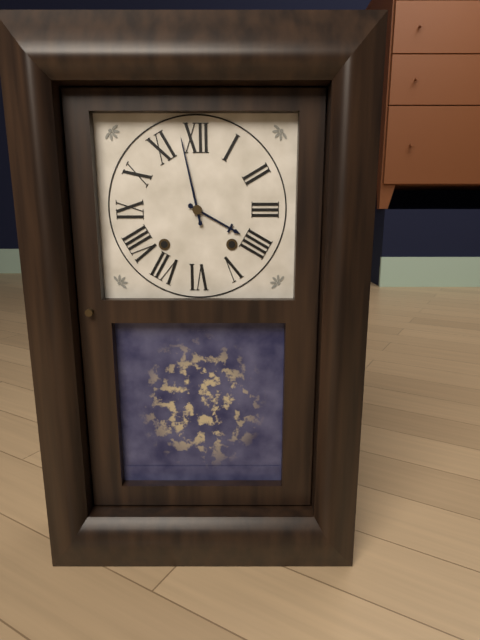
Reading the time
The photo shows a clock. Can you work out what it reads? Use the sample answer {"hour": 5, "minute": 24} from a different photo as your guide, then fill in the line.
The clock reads {"hour": 3, "minute": 58}
